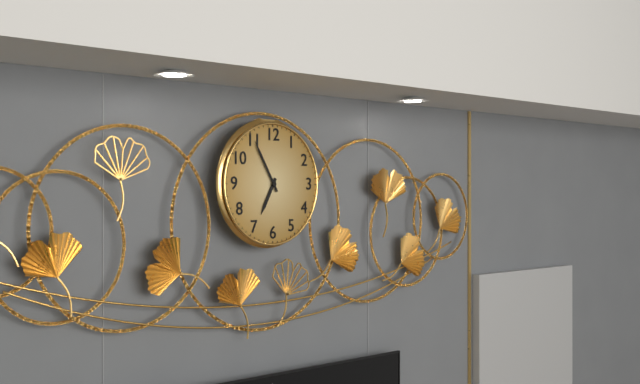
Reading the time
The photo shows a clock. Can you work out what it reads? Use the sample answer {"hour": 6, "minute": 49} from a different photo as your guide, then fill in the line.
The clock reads {"hour": 6, "minute": 55}
